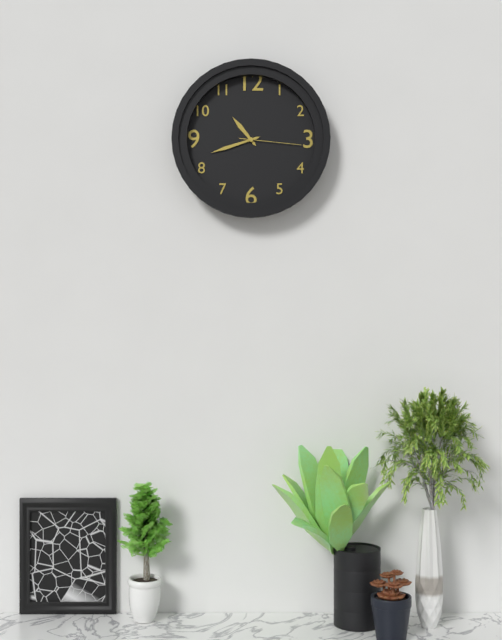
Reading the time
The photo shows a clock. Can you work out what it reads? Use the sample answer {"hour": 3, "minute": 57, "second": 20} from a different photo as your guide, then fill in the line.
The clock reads {"hour": 10, "minute": 42, "second": 16}
